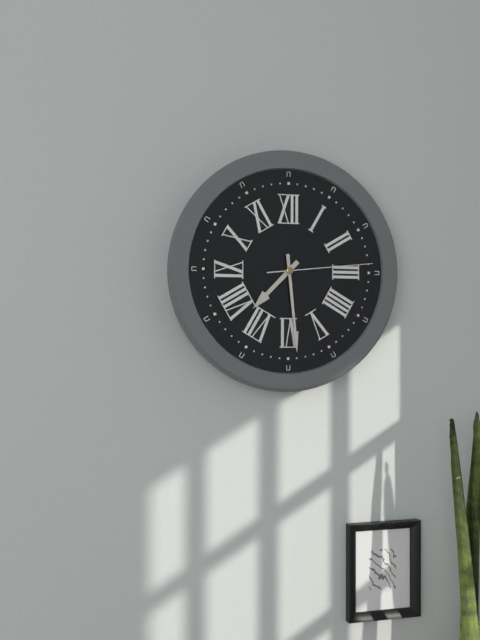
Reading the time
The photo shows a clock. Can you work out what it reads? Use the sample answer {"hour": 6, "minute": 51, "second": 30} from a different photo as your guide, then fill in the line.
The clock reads {"hour": 7, "minute": 29, "second": 14}
